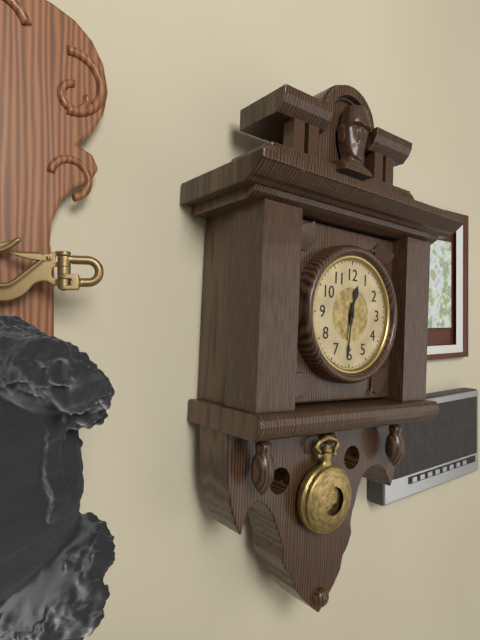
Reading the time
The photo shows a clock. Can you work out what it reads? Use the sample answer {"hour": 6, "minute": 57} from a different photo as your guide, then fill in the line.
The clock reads {"hour": 12, "minute": 31}
